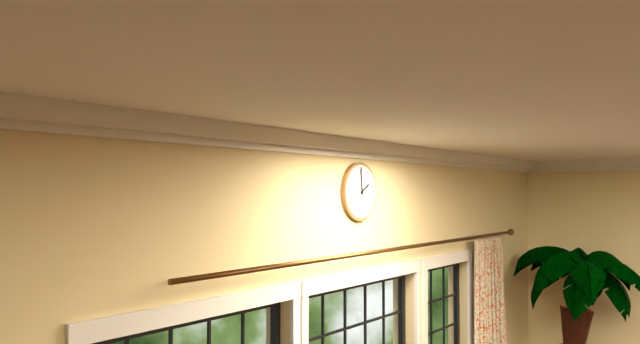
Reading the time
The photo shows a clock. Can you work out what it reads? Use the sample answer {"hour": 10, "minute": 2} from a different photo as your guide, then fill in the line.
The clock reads {"hour": 1, "minute": 59}
